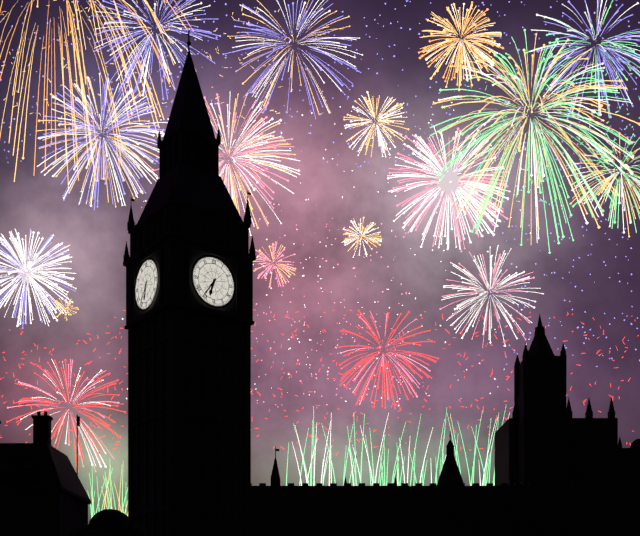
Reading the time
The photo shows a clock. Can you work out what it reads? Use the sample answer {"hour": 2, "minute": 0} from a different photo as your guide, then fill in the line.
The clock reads {"hour": 6, "minute": 36}
